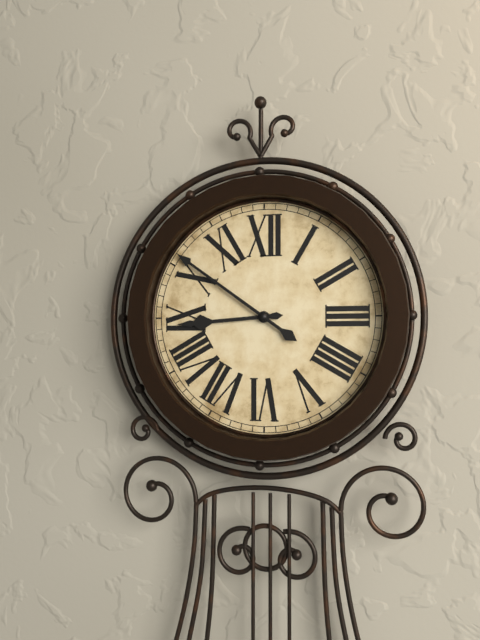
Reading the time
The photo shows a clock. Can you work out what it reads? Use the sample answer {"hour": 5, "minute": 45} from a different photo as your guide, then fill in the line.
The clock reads {"hour": 8, "minute": 51}
